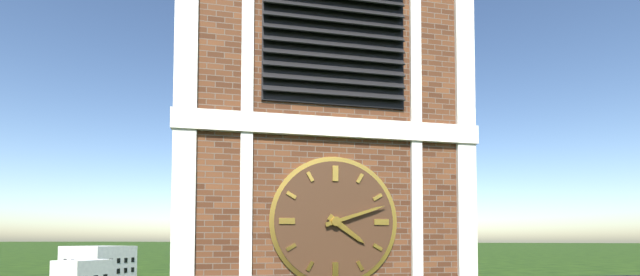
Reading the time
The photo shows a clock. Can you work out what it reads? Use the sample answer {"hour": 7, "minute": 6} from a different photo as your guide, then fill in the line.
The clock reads {"hour": 4, "minute": 12}
